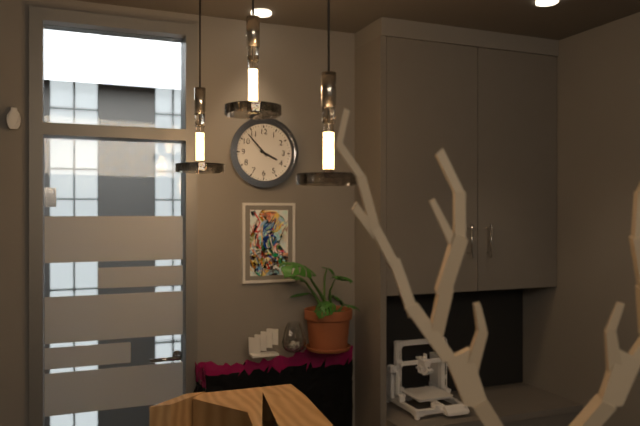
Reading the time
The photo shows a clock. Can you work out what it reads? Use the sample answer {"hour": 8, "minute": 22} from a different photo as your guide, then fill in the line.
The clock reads {"hour": 3, "minute": 53}
